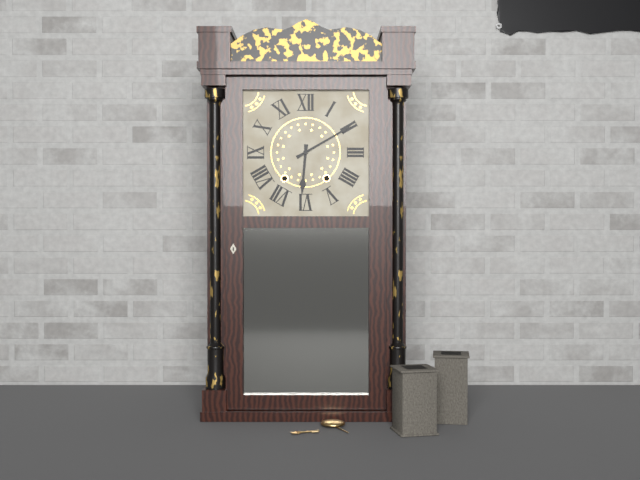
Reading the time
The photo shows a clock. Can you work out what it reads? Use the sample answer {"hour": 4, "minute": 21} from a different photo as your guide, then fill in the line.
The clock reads {"hour": 6, "minute": 10}
